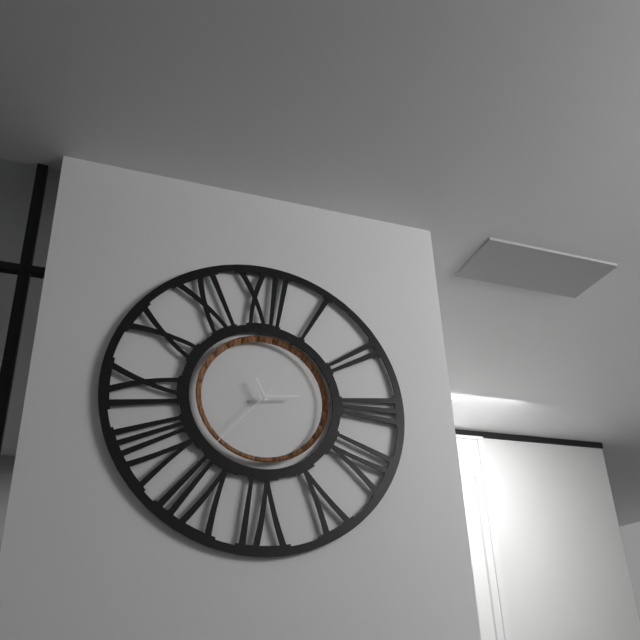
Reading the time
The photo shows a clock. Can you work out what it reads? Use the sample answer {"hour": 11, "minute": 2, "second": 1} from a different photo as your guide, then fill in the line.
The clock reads {"hour": 11, "minute": 14, "second": 37}
